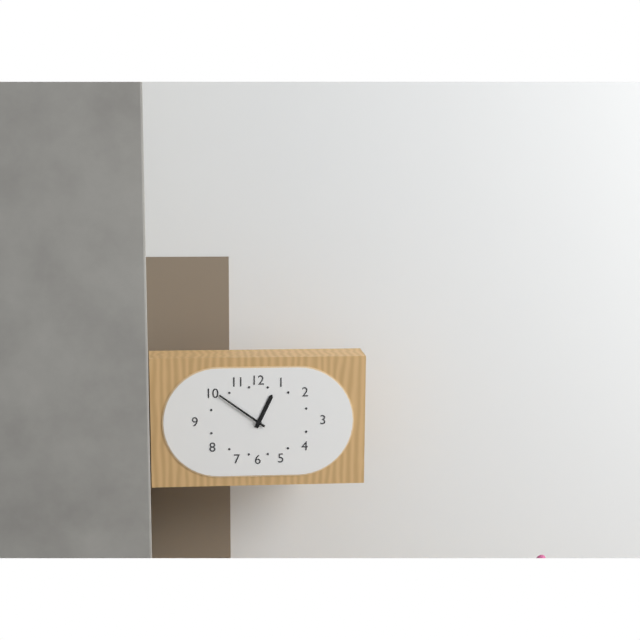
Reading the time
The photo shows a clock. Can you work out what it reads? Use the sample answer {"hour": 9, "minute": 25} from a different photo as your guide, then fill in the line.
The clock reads {"hour": 12, "minute": 51}
